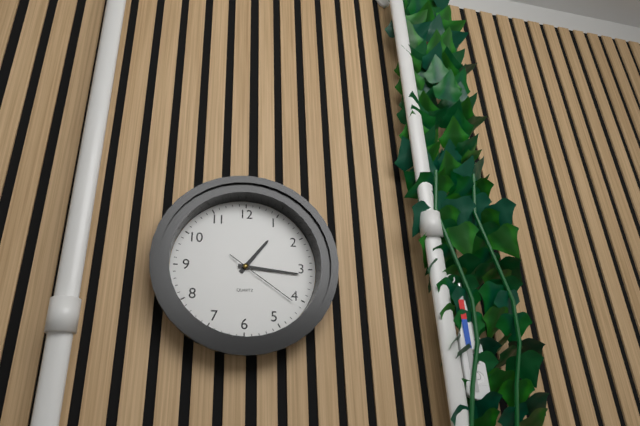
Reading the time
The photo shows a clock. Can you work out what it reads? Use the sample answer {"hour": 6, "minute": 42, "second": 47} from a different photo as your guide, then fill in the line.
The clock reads {"hour": 1, "minute": 16, "second": 21}
